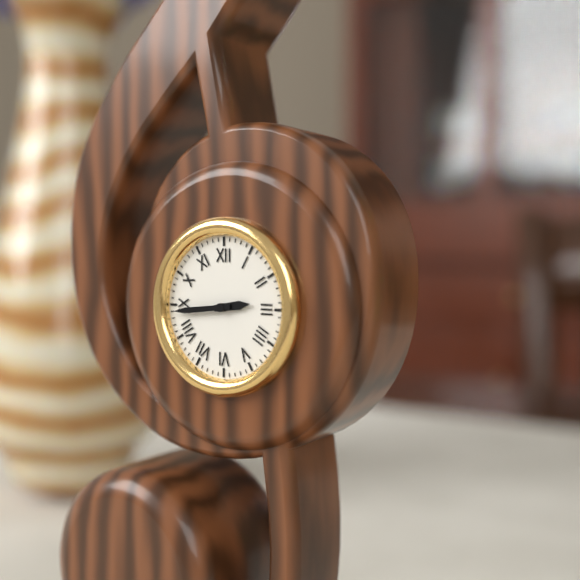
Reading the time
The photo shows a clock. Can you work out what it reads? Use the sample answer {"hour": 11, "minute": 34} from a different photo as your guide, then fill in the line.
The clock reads {"hour": 2, "minute": 44}
